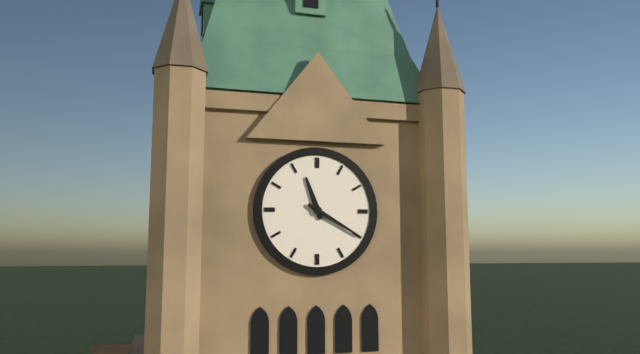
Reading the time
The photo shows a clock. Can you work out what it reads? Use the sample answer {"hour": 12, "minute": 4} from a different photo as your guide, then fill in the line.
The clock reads {"hour": 11, "minute": 20}
